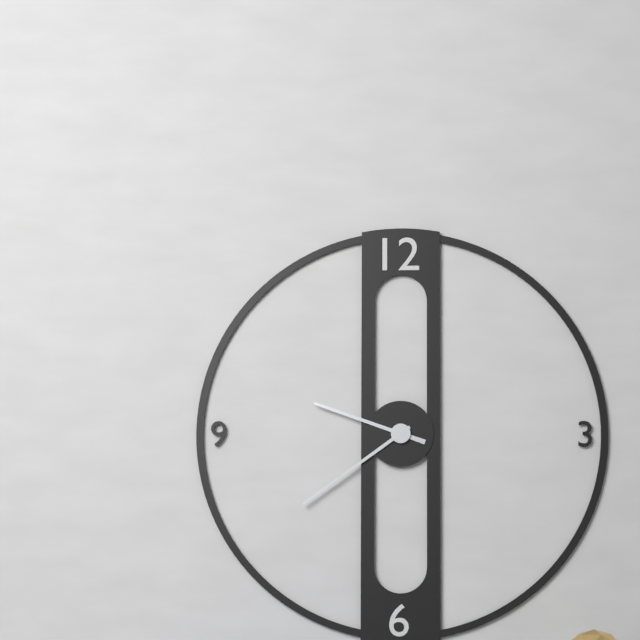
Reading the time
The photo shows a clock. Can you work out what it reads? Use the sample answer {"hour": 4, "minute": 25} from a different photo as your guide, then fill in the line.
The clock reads {"hour": 9, "minute": 39}
